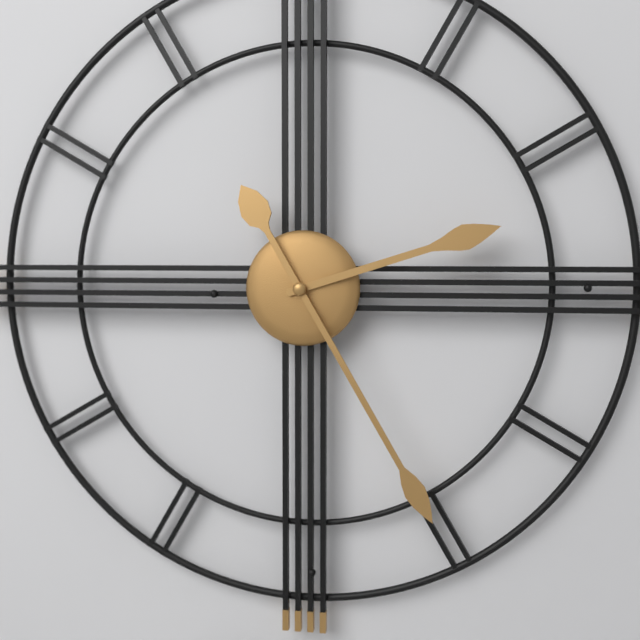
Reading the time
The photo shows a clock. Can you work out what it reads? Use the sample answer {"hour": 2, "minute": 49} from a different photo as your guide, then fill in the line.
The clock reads {"hour": 2, "minute": 25}
